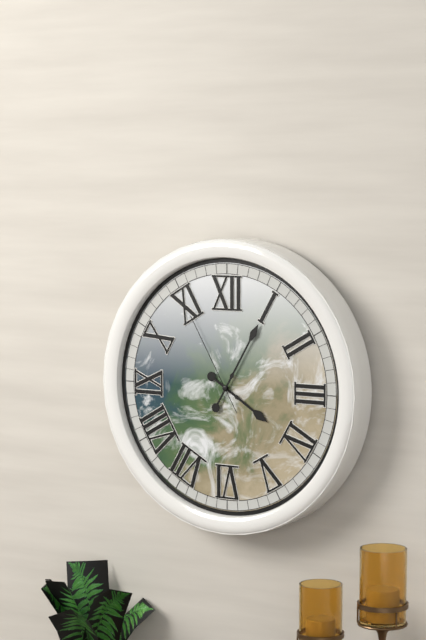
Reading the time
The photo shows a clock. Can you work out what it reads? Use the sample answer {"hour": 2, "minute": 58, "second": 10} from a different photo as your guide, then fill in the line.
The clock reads {"hour": 4, "minute": 5, "second": 55}
